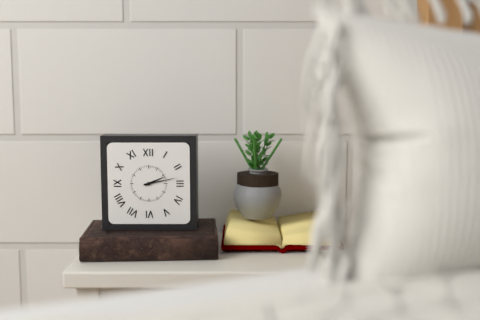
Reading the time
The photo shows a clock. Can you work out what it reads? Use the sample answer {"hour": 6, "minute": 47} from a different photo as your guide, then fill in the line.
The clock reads {"hour": 2, "minute": 13}
